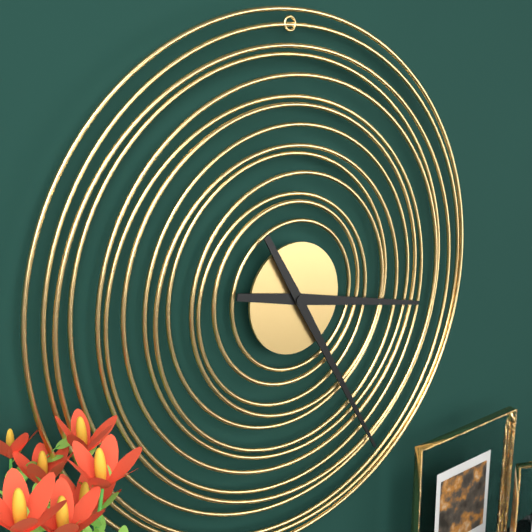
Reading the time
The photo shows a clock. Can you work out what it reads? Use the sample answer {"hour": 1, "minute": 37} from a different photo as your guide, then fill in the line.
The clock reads {"hour": 3, "minute": 25}
